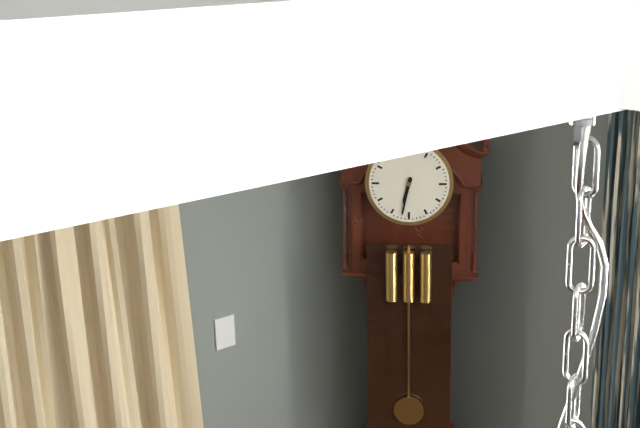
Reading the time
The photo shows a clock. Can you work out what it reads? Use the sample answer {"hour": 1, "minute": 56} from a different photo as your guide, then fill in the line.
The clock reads {"hour": 6, "minute": 32}
